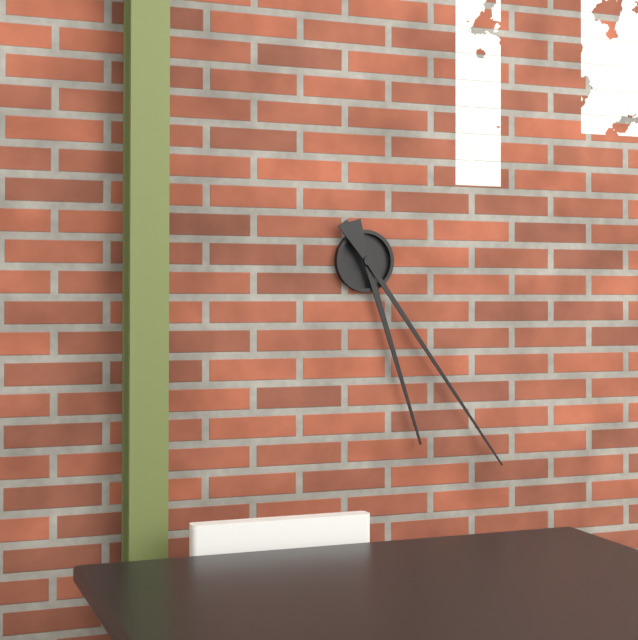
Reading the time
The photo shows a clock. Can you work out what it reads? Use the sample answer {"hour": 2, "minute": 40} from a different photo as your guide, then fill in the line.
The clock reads {"hour": 5, "minute": 24}
